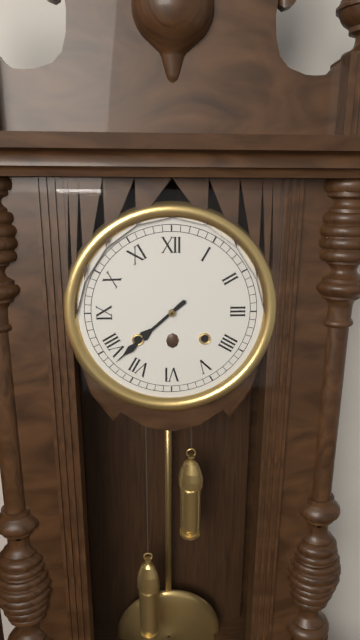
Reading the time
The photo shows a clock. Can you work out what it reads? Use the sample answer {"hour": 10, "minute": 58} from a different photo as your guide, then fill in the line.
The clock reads {"hour": 7, "minute": 38}
